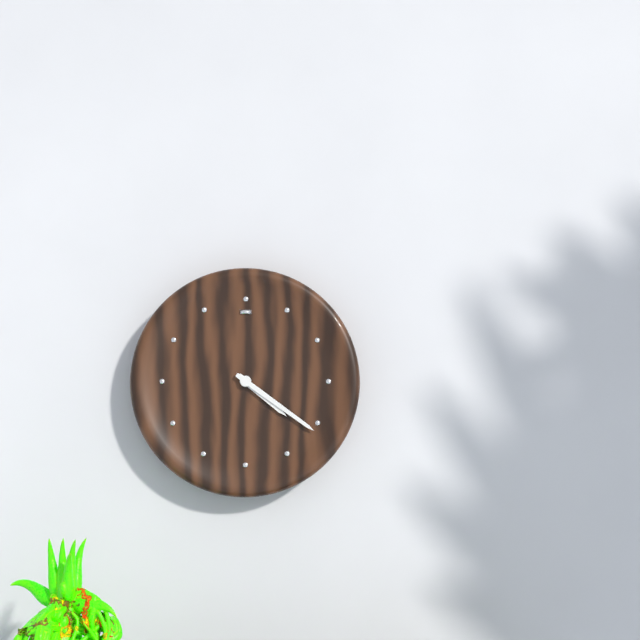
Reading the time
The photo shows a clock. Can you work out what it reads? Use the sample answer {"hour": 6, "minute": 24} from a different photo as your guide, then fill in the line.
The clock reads {"hour": 4, "minute": 21}
